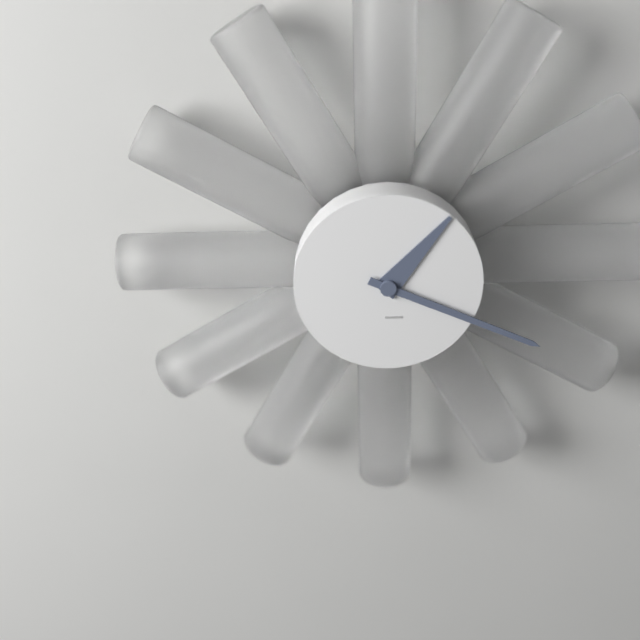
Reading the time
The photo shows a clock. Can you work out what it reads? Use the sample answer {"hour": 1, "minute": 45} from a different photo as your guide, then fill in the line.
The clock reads {"hour": 1, "minute": 19}
